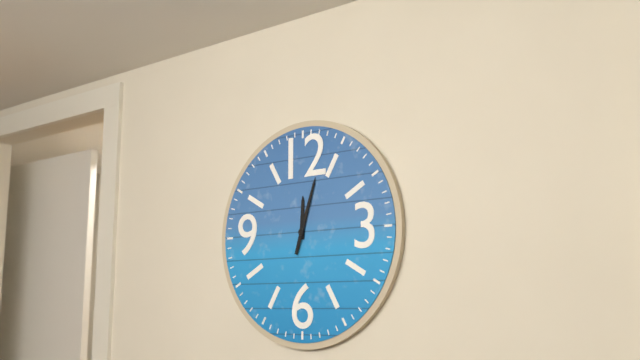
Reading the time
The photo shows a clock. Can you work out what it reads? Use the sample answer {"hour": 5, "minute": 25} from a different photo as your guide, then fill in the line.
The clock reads {"hour": 12, "minute": 3}
